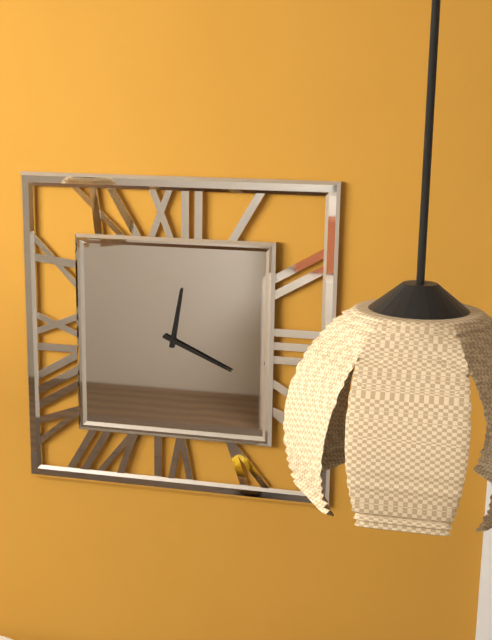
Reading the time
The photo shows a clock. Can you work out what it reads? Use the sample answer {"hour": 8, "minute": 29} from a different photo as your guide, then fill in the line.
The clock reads {"hour": 12, "minute": 19}
